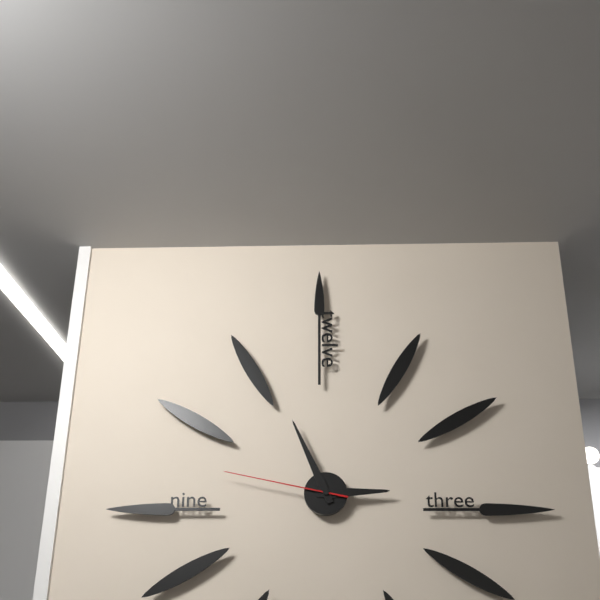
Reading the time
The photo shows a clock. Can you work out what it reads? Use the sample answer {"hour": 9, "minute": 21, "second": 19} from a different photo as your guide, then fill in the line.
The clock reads {"hour": 2, "minute": 56, "second": 47}
